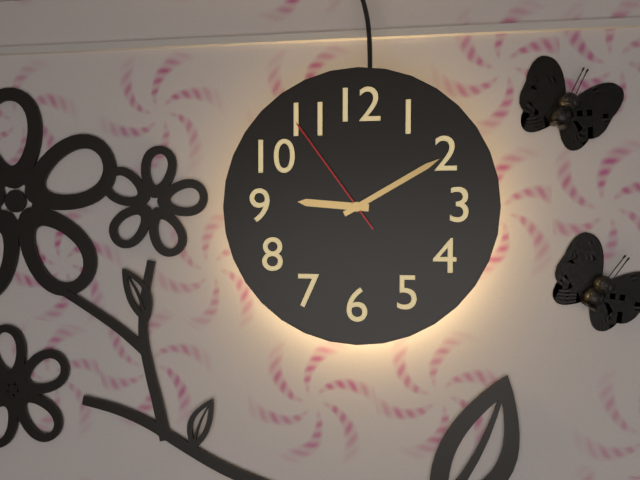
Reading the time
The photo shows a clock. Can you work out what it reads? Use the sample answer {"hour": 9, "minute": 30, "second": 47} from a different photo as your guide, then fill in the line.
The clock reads {"hour": 9, "minute": 10, "second": 54}
